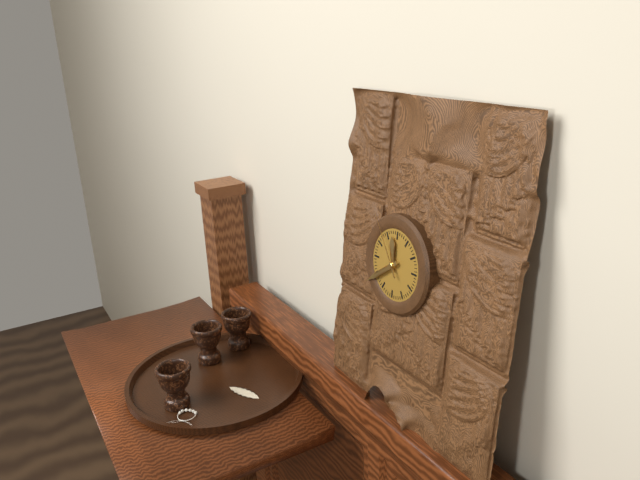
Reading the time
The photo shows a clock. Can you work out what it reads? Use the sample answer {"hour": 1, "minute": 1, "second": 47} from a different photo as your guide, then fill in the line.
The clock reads {"hour": 11, "minute": 39, "second": 54}
